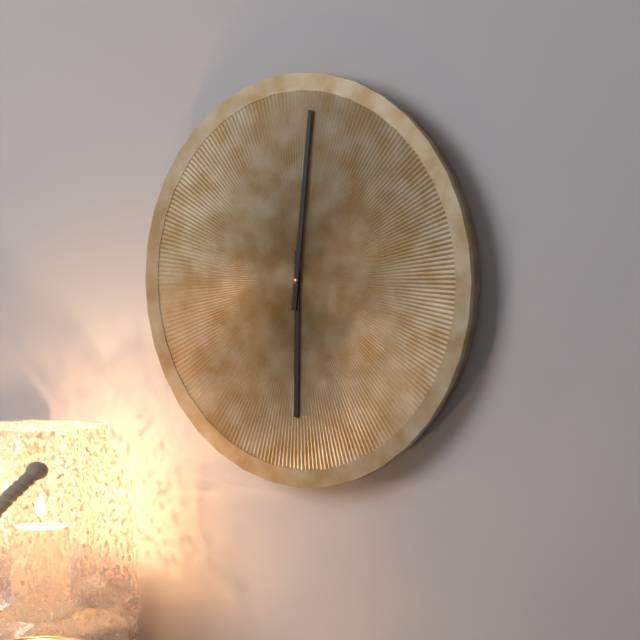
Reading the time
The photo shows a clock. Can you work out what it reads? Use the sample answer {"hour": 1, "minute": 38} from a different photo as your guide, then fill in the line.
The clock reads {"hour": 6, "minute": 1}
